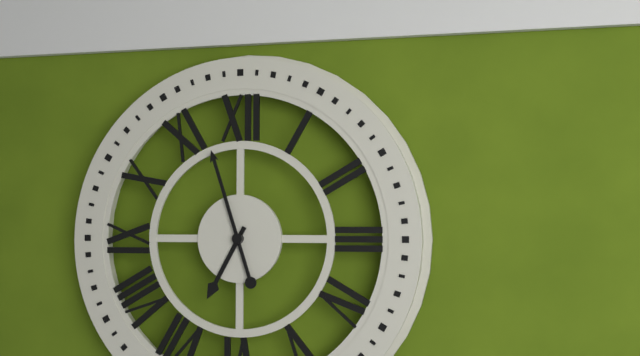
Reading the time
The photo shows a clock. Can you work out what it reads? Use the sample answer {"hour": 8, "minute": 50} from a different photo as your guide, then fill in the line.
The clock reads {"hour": 6, "minute": 57}
